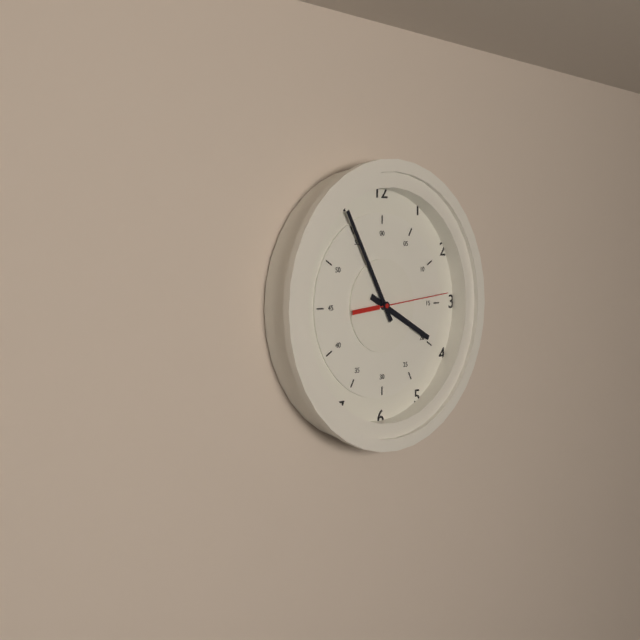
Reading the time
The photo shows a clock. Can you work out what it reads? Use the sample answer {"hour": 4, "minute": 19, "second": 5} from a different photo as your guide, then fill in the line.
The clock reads {"hour": 3, "minute": 55, "second": 14}
